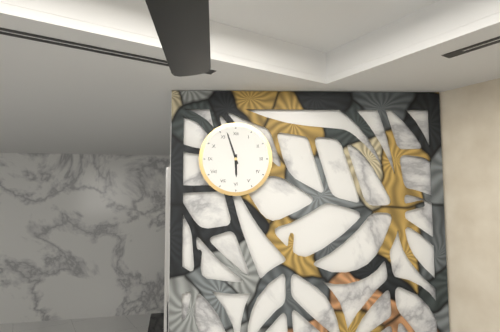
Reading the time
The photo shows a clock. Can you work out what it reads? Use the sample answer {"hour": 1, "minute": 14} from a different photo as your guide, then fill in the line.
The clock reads {"hour": 5, "minute": 57}
